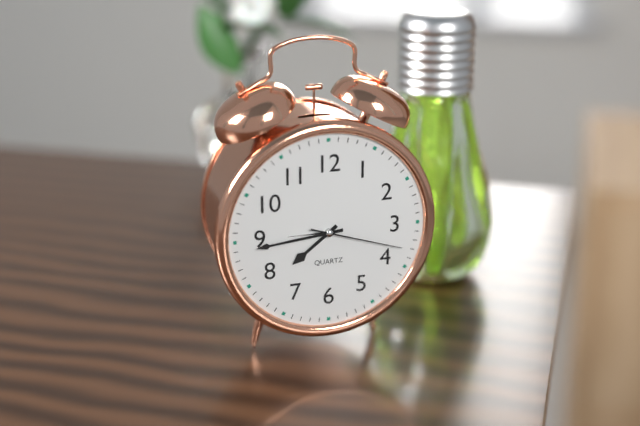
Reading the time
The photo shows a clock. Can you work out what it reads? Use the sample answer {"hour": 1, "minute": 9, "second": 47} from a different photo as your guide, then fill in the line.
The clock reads {"hour": 7, "minute": 44, "second": 18}
